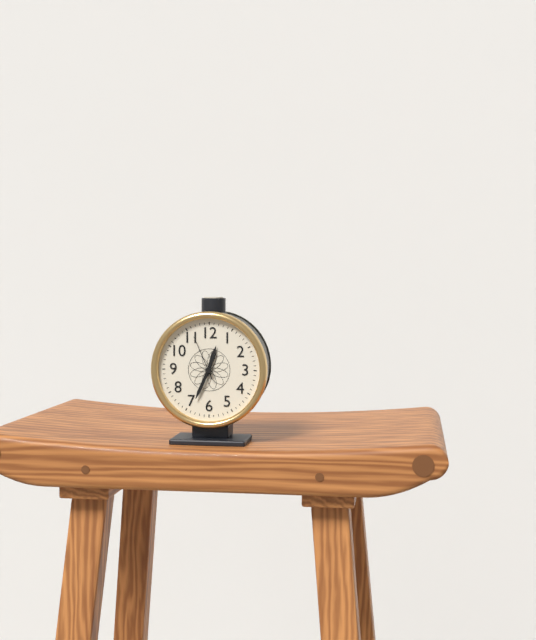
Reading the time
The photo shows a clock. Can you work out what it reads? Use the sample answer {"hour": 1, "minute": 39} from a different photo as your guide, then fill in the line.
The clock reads {"hour": 12, "minute": 34}
